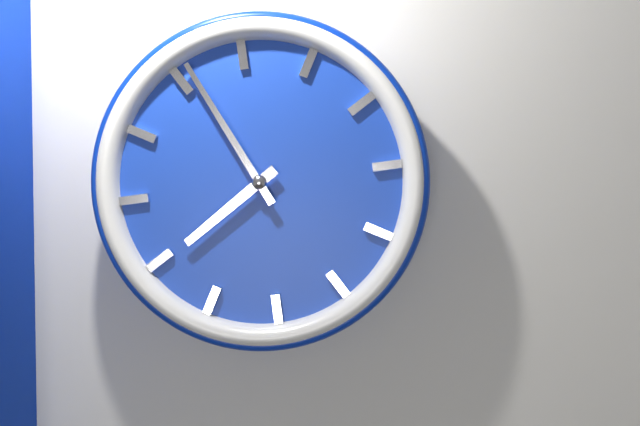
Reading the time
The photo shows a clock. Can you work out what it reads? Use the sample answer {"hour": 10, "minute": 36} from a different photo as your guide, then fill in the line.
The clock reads {"hour": 7, "minute": 56}
